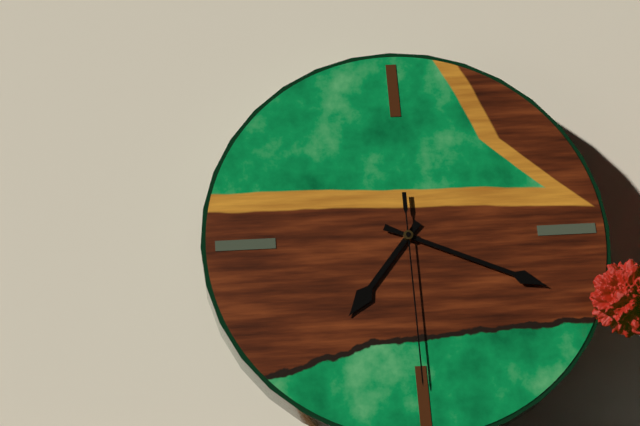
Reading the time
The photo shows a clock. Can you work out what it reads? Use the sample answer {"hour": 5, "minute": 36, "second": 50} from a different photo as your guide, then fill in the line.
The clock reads {"hour": 7, "minute": 19, "second": 30}
